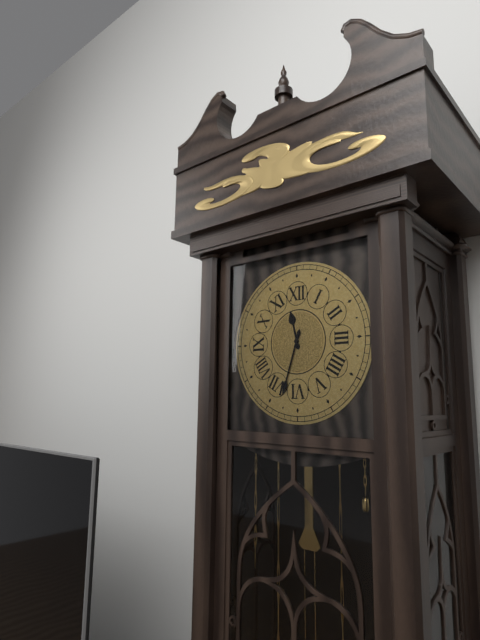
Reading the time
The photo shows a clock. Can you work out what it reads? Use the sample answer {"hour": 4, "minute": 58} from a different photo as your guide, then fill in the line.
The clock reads {"hour": 11, "minute": 33}
